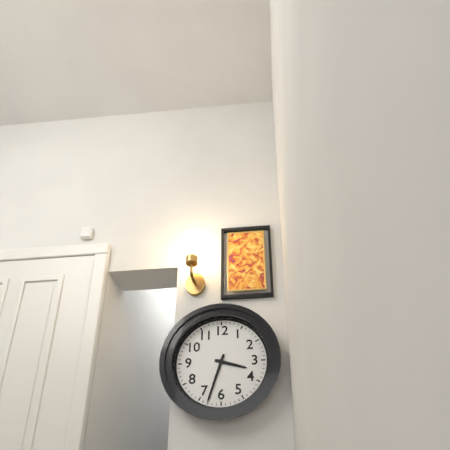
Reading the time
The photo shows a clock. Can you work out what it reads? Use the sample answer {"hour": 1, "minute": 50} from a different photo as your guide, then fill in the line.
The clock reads {"hour": 3, "minute": 33}
